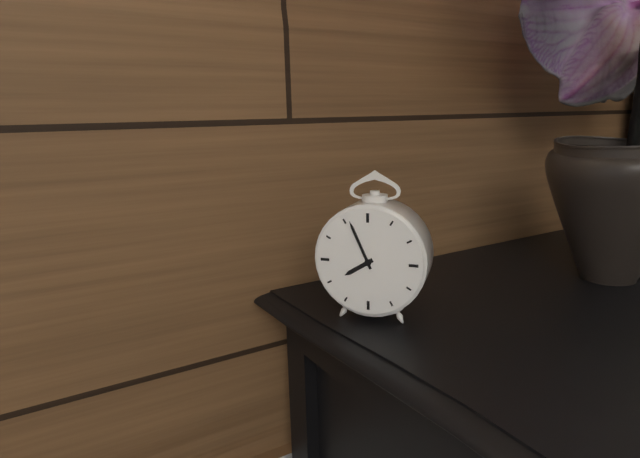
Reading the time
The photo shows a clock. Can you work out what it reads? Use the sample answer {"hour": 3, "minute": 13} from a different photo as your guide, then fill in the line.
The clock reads {"hour": 7, "minute": 56}
